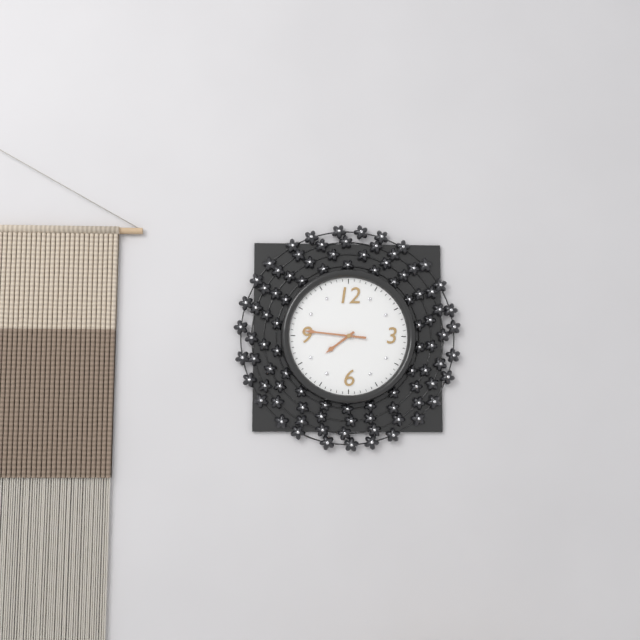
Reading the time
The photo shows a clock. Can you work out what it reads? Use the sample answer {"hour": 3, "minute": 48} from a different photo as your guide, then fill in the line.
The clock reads {"hour": 7, "minute": 46}
